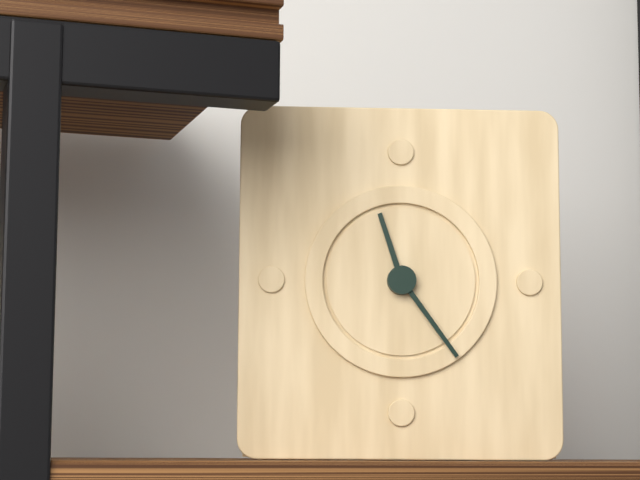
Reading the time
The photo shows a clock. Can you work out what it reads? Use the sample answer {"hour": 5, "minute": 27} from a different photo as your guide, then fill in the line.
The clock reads {"hour": 11, "minute": 24}
